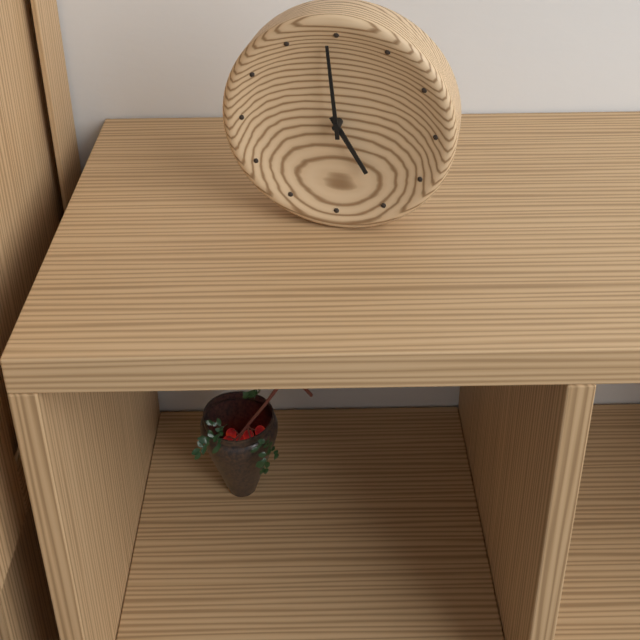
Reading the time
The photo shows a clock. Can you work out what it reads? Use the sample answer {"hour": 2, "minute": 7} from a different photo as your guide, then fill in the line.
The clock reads {"hour": 4, "minute": 59}
